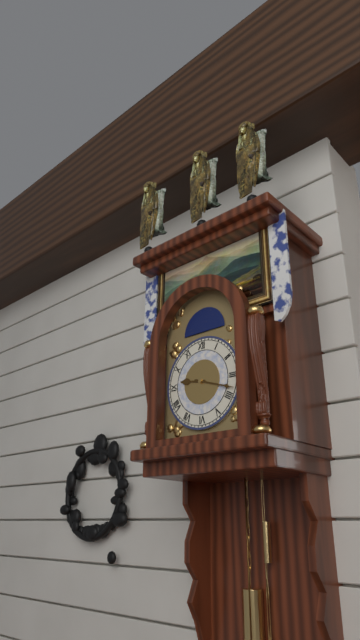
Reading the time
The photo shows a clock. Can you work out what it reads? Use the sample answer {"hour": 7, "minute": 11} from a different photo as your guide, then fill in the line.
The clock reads {"hour": 9, "minute": 18}
